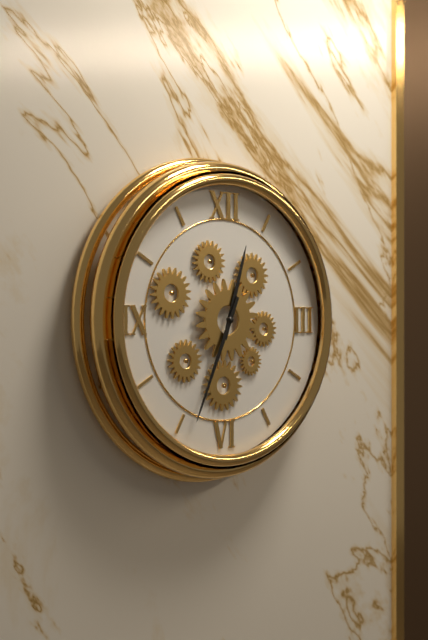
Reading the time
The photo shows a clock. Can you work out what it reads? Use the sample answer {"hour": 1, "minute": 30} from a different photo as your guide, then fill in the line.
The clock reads {"hour": 12, "minute": 34}
